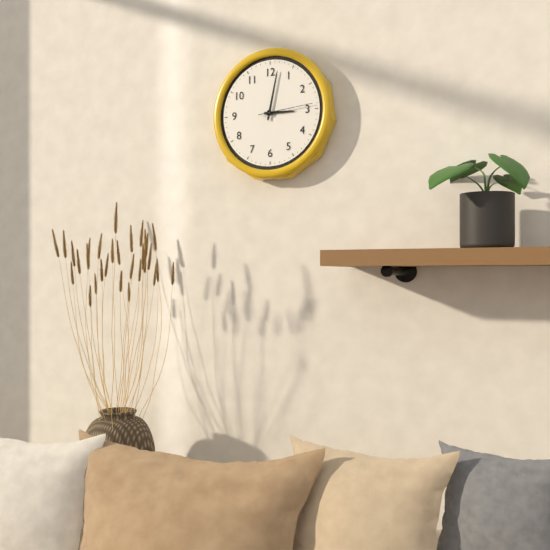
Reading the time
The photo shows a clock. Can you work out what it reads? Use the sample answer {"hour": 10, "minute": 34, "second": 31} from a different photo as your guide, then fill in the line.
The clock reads {"hour": 3, "minute": 2, "second": 14}
